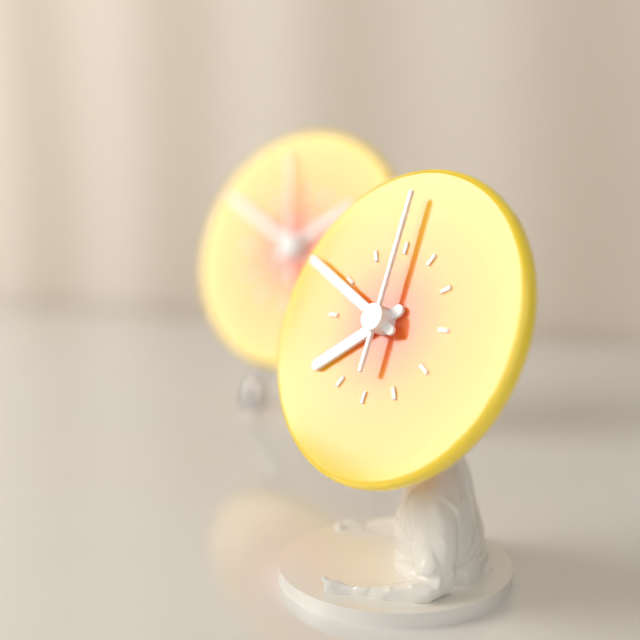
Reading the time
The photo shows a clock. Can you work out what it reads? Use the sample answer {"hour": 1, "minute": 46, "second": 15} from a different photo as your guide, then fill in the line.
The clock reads {"hour": 7, "minute": 49, "second": 0}
